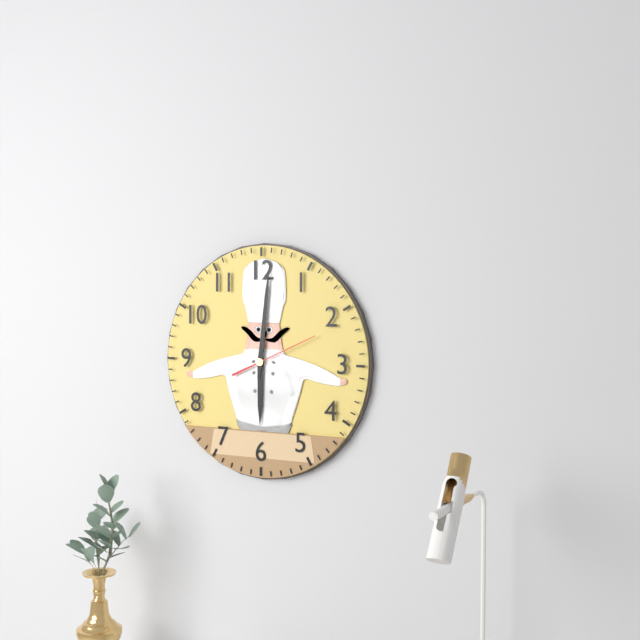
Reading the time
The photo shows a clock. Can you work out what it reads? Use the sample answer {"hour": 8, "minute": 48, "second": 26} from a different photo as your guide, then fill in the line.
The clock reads {"hour": 6, "minute": 1, "second": 11}
